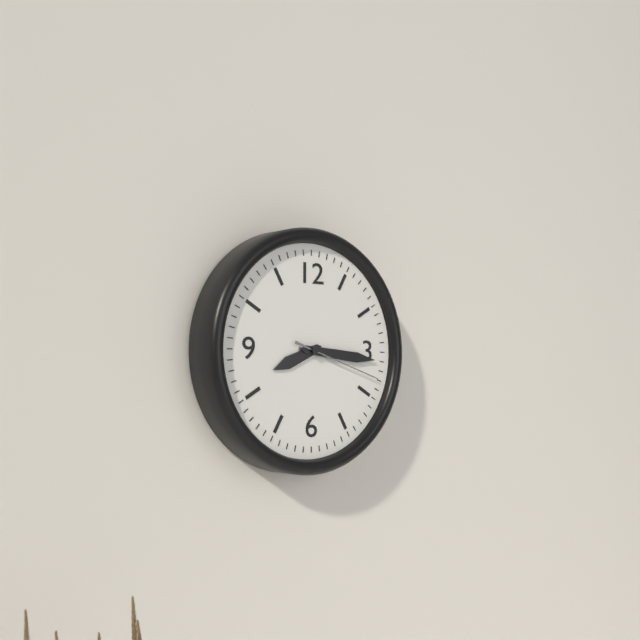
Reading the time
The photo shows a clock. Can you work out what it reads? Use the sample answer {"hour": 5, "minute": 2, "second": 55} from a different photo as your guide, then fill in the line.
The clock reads {"hour": 8, "minute": 16, "second": 18}
